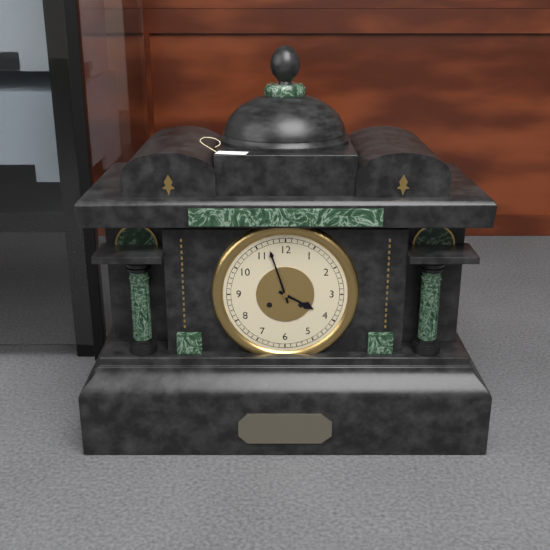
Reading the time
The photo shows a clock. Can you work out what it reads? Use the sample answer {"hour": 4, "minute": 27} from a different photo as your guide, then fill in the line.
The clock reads {"hour": 3, "minute": 57}
